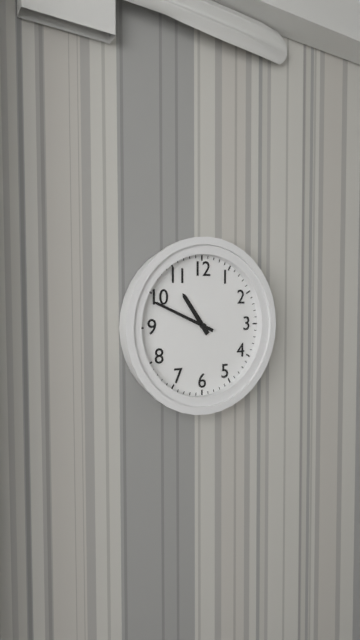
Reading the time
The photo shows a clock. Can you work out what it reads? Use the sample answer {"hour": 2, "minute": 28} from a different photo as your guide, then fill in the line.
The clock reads {"hour": 10, "minute": 49}
